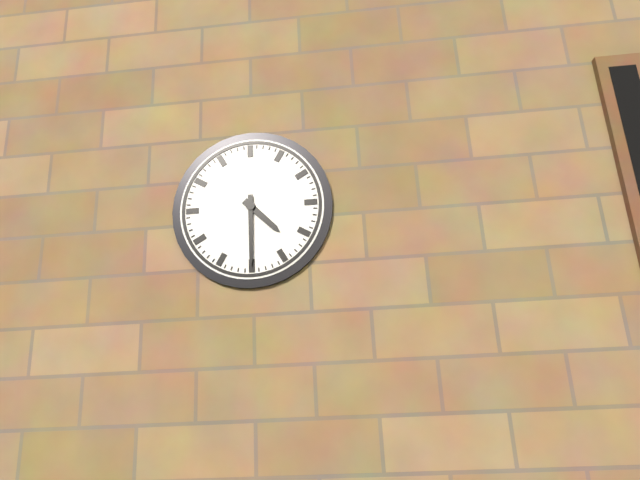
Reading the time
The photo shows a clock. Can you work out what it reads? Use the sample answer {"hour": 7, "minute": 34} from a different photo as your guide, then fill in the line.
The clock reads {"hour": 4, "minute": 30}
